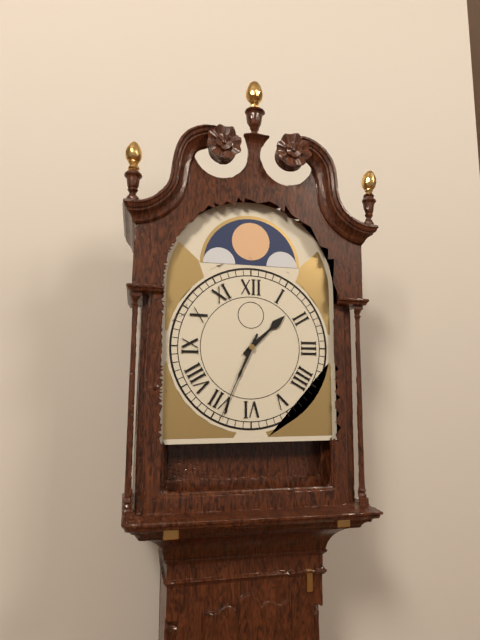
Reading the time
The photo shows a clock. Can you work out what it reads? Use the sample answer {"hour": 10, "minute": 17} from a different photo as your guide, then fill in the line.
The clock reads {"hour": 1, "minute": 34}
